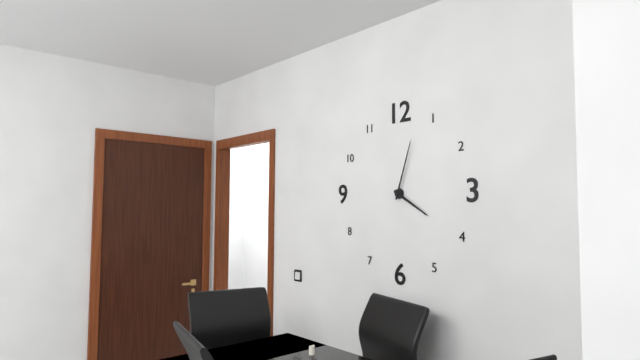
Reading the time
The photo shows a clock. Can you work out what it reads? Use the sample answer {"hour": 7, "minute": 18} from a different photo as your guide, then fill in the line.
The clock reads {"hour": 4, "minute": 3}
